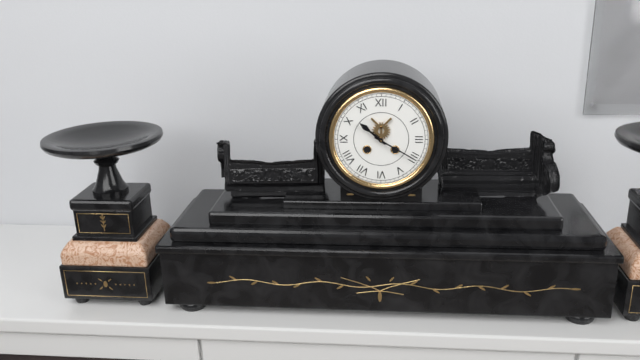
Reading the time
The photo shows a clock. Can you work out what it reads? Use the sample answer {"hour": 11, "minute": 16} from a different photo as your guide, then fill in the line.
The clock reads {"hour": 10, "minute": 20}
